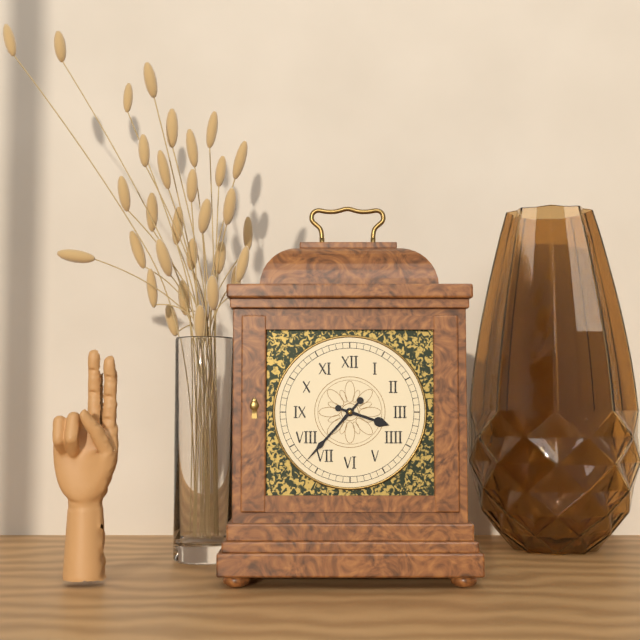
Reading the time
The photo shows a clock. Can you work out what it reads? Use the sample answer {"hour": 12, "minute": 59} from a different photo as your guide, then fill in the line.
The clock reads {"hour": 3, "minute": 37}
